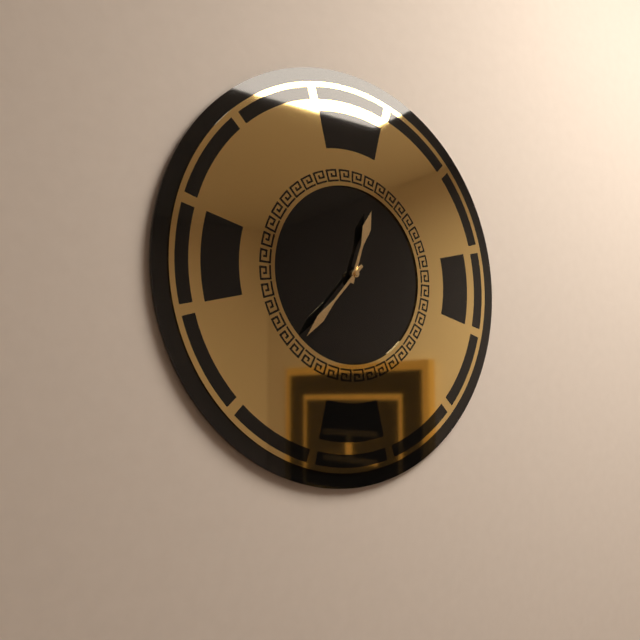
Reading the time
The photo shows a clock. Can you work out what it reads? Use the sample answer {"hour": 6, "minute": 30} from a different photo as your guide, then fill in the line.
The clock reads {"hour": 12, "minute": 37}
